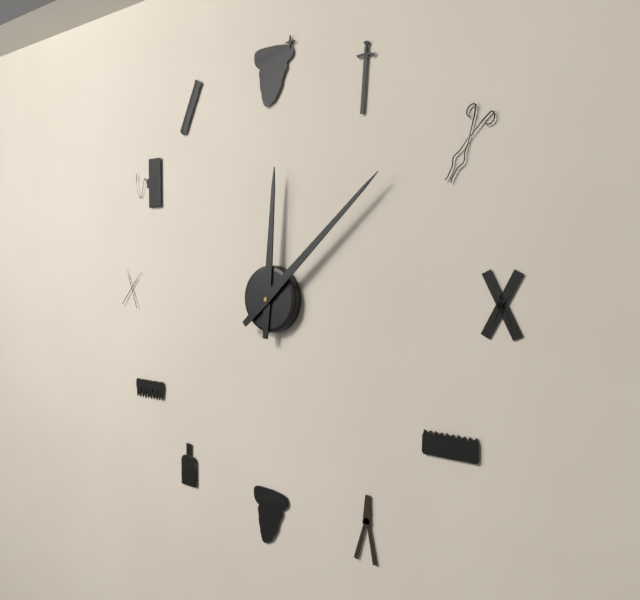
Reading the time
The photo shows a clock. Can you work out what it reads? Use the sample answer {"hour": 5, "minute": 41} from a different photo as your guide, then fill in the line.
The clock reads {"hour": 12, "minute": 8}
